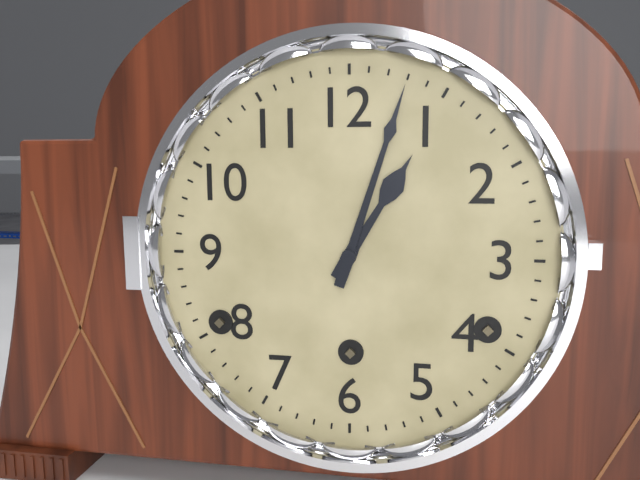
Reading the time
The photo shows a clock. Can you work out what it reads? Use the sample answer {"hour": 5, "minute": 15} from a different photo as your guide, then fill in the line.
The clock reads {"hour": 1, "minute": 3}
